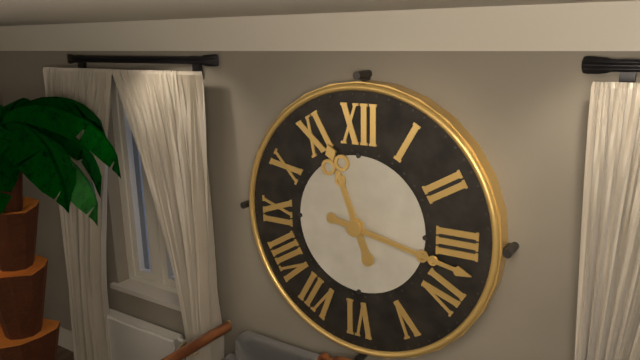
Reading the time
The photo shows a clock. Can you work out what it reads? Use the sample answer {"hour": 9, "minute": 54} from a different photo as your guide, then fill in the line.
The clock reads {"hour": 11, "minute": 17}
